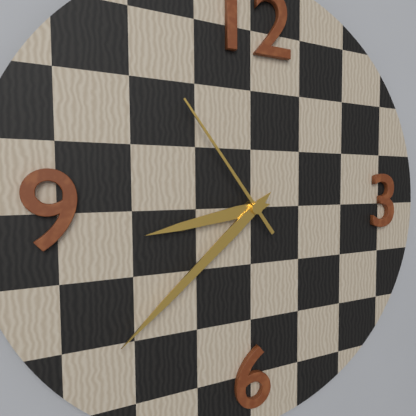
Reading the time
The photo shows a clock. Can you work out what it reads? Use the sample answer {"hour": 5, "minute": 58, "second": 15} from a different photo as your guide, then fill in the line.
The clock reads {"hour": 8, "minute": 38, "second": 54}
